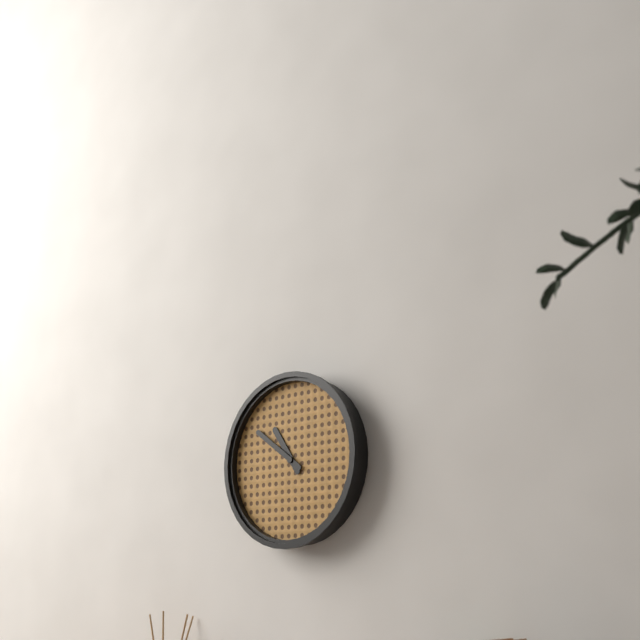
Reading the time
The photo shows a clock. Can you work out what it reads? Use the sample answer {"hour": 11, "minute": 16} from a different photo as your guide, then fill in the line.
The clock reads {"hour": 10, "minute": 51}
